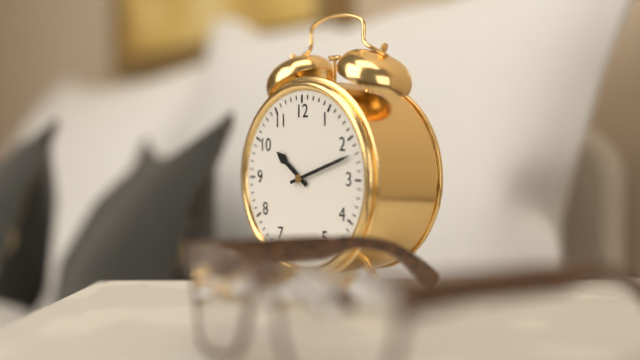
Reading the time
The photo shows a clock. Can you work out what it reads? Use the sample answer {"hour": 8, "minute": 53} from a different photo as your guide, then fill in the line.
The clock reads {"hour": 10, "minute": 12}
